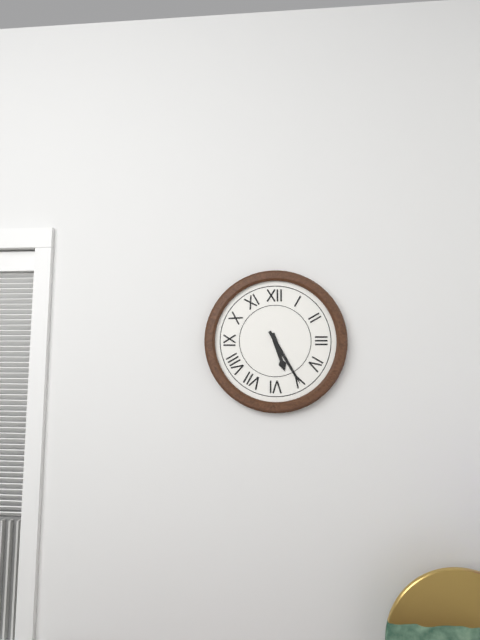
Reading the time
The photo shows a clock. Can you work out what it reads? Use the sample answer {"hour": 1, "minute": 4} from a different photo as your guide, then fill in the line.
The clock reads {"hour": 5, "minute": 25}
